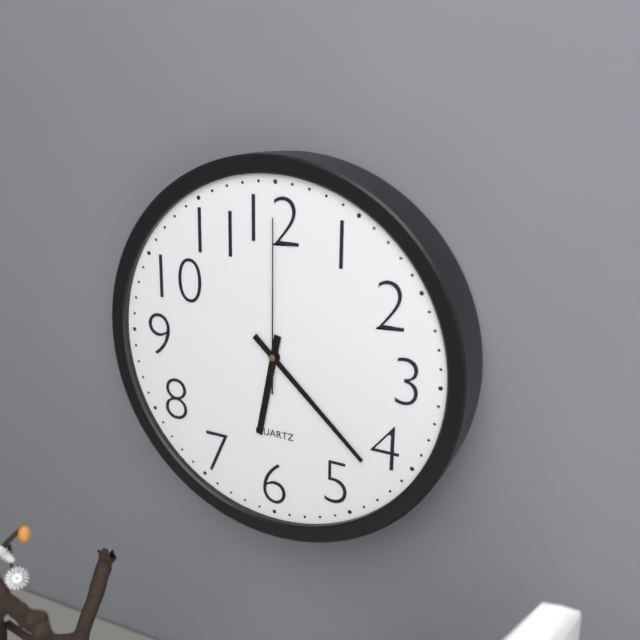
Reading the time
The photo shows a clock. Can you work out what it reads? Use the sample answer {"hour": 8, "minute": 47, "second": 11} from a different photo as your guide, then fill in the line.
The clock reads {"hour": 6, "minute": 22, "second": 0}
